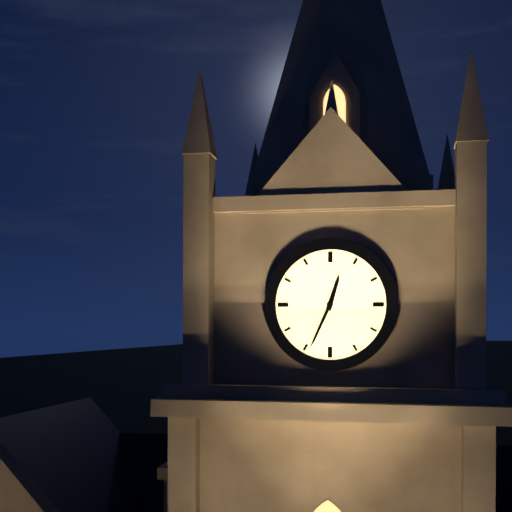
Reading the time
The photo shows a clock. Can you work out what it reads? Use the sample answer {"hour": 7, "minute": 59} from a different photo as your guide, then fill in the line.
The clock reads {"hour": 12, "minute": 34}
